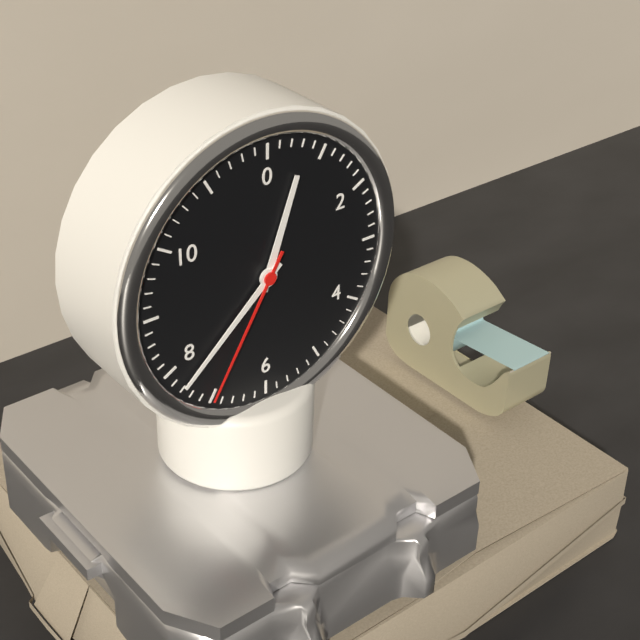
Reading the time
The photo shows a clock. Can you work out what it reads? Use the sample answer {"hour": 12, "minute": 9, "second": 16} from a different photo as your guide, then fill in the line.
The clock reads {"hour": 12, "minute": 38, "second": 35}
